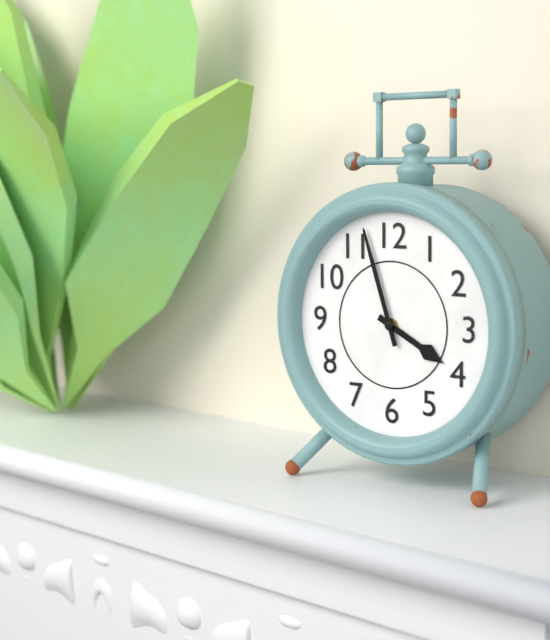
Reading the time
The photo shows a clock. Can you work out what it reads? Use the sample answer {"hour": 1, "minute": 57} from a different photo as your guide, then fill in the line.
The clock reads {"hour": 3, "minute": 57}
